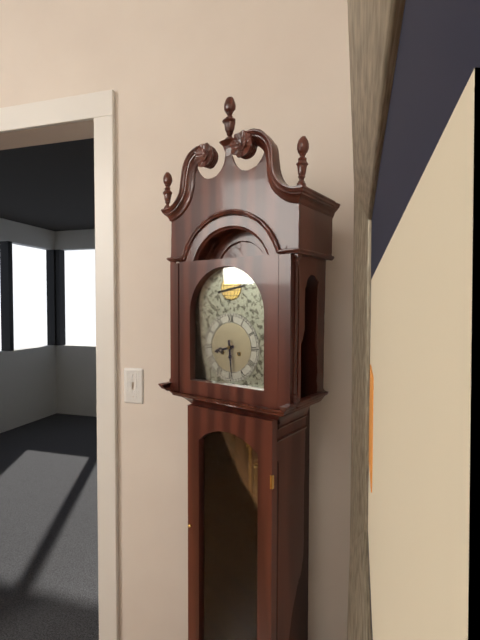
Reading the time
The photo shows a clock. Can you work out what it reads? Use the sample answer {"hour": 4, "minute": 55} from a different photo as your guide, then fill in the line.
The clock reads {"hour": 8, "minute": 29}
